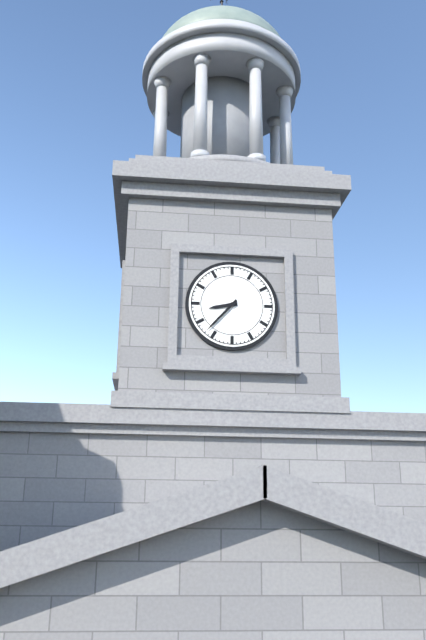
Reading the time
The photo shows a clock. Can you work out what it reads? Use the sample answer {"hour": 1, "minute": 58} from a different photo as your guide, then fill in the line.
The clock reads {"hour": 8, "minute": 37}
